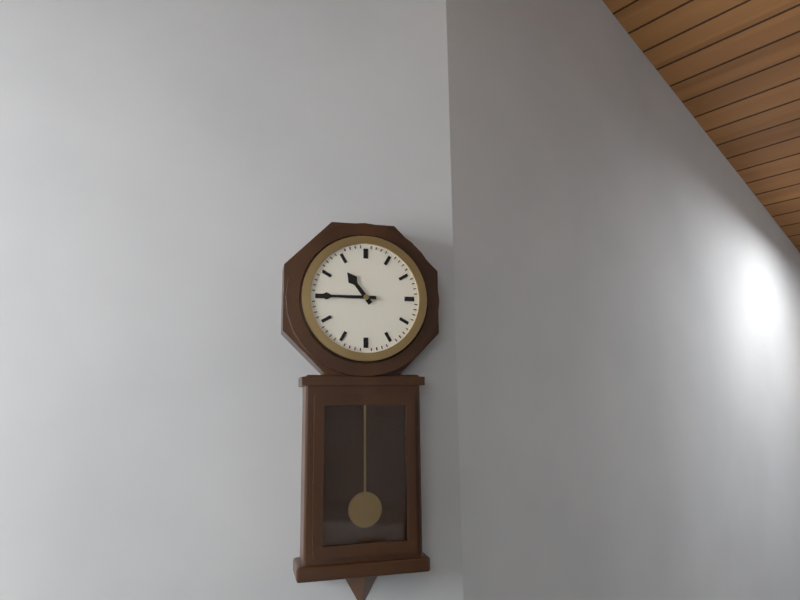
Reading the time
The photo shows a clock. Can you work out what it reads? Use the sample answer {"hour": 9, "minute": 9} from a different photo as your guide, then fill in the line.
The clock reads {"hour": 10, "minute": 45}
